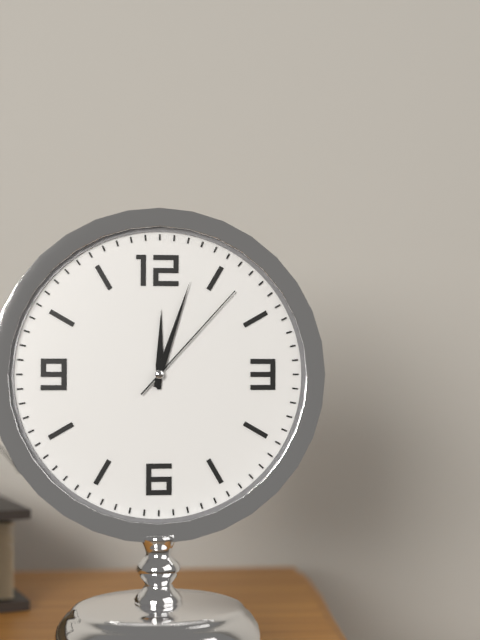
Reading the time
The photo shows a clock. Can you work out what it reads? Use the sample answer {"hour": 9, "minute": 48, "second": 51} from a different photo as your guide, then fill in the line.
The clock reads {"hour": 12, "minute": 3, "second": 7}
